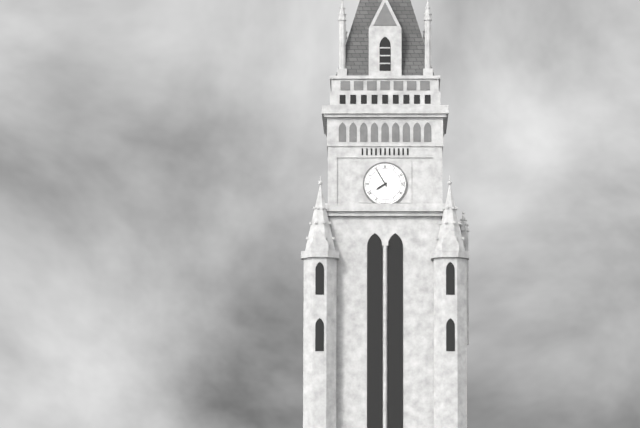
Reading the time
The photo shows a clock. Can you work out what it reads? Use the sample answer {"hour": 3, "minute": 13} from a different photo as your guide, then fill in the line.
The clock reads {"hour": 7, "minute": 55}
